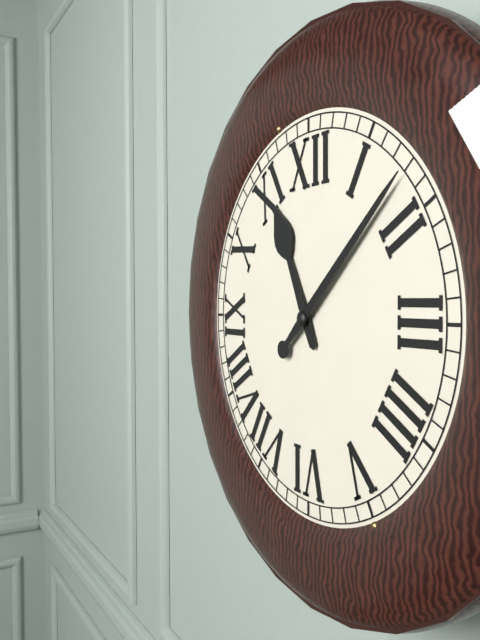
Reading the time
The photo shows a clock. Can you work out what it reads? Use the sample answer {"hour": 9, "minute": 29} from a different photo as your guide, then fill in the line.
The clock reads {"hour": 11, "minute": 8}
